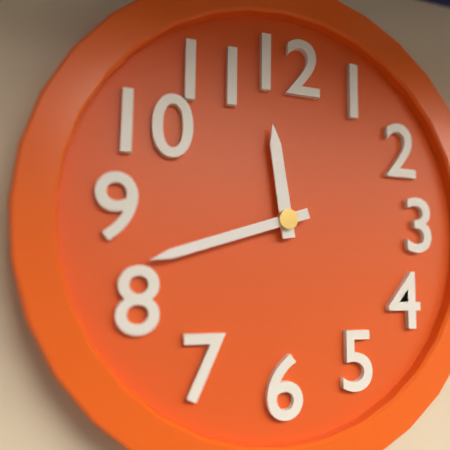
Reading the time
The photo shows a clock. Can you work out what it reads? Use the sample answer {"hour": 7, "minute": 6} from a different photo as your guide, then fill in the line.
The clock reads {"hour": 11, "minute": 42}
